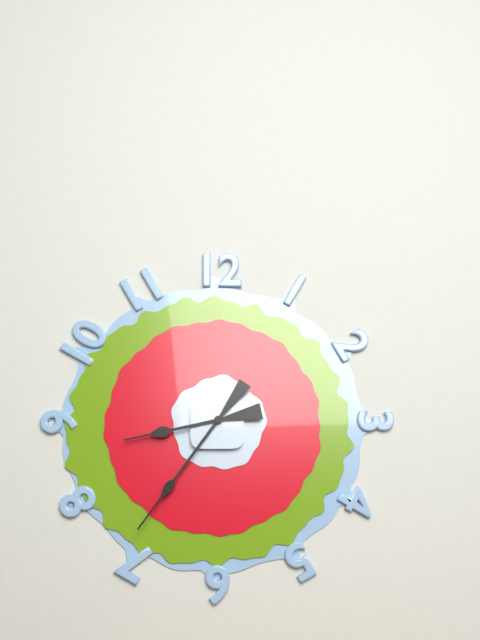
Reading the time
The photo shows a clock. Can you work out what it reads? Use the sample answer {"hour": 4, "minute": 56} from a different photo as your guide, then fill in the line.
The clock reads {"hour": 8, "minute": 36}
